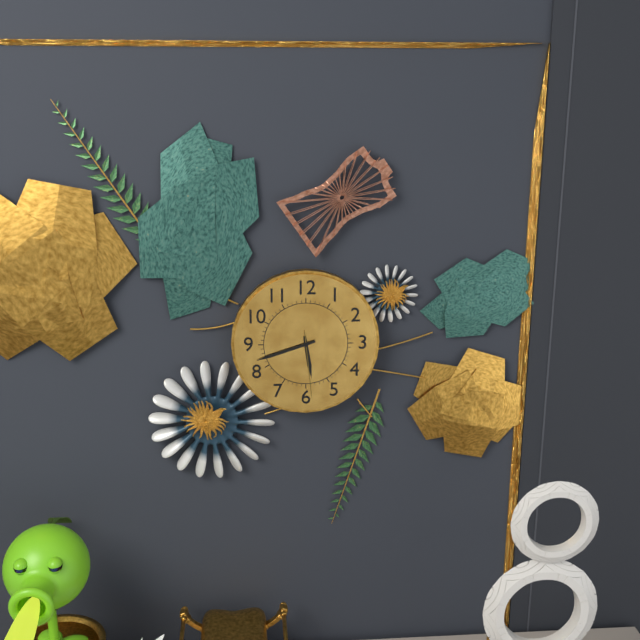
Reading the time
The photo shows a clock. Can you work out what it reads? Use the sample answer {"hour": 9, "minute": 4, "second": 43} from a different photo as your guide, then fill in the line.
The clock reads {"hour": 5, "minute": 42, "second": 29}
